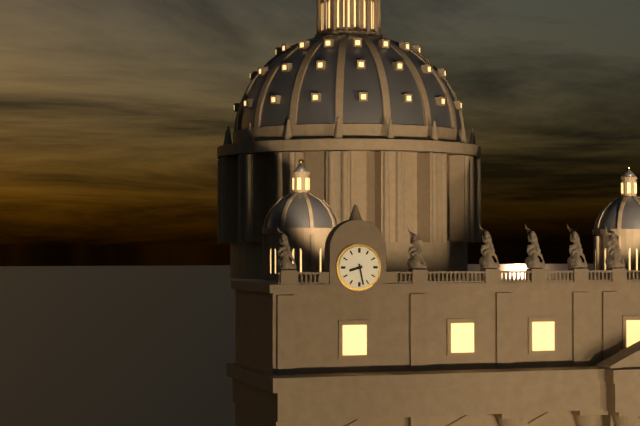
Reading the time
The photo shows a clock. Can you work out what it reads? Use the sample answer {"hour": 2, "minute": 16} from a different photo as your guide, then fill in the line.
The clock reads {"hour": 8, "minute": 28}
